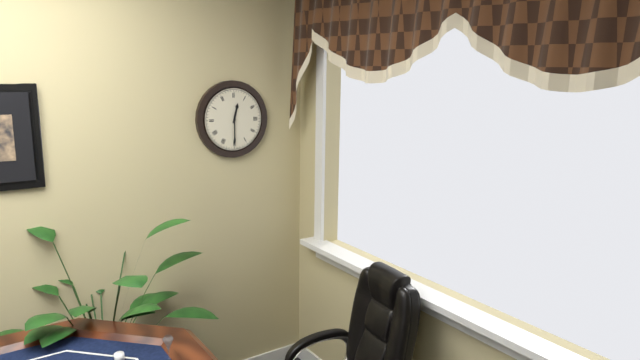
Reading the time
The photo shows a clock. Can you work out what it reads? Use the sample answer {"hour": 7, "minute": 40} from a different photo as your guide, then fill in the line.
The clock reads {"hour": 12, "minute": 30}
